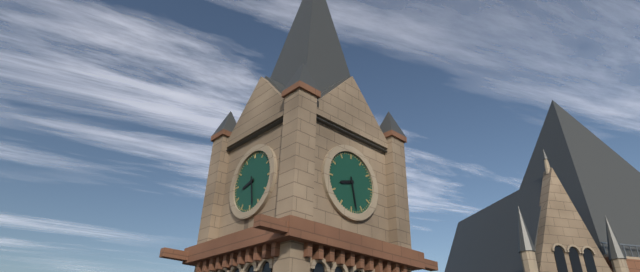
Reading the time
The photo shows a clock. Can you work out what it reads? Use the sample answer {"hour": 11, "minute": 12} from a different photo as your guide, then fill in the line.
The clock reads {"hour": 8, "minute": 28}
